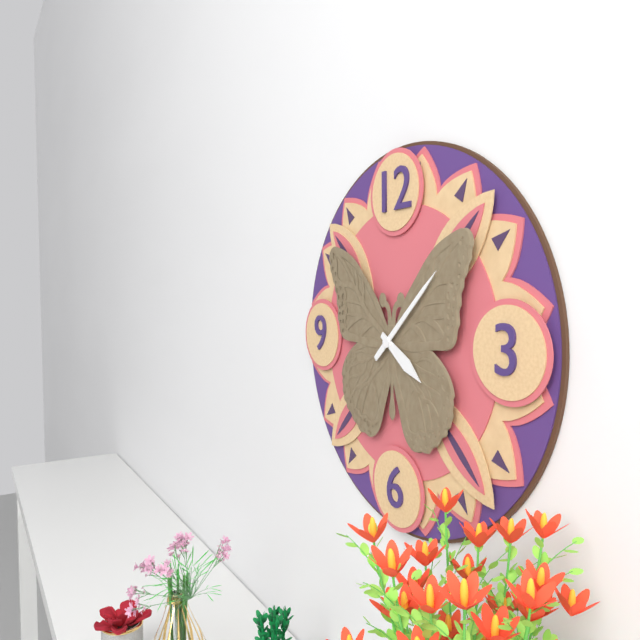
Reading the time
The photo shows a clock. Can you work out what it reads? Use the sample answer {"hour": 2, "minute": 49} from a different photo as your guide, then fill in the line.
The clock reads {"hour": 4, "minute": 8}
